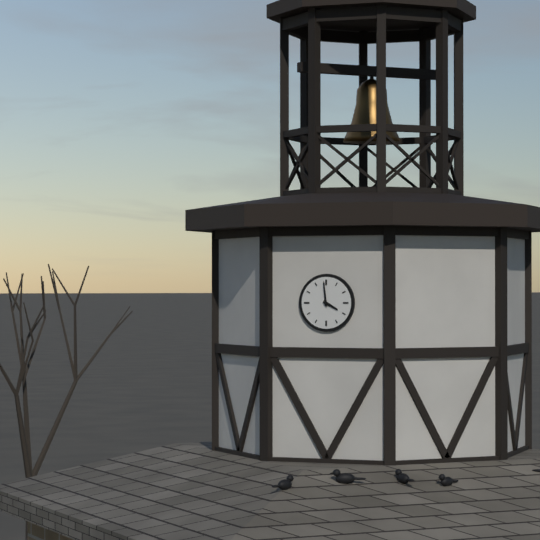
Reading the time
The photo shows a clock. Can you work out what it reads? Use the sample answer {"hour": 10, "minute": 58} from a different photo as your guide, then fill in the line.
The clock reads {"hour": 3, "minute": 59}
